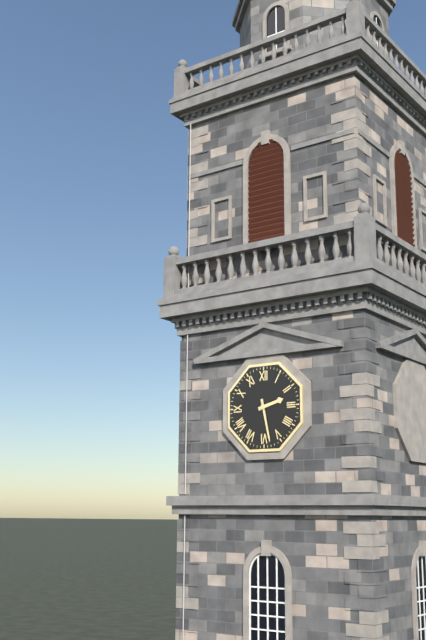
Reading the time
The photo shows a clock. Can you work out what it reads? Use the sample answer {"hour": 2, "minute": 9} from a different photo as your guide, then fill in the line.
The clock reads {"hour": 2, "minute": 28}
